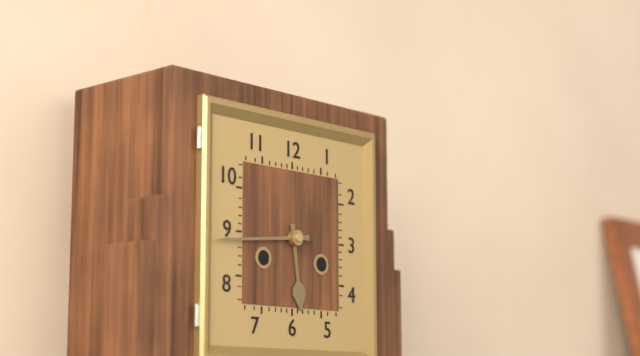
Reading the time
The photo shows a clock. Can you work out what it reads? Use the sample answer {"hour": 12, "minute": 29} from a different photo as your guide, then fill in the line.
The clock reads {"hour": 5, "minute": 44}
